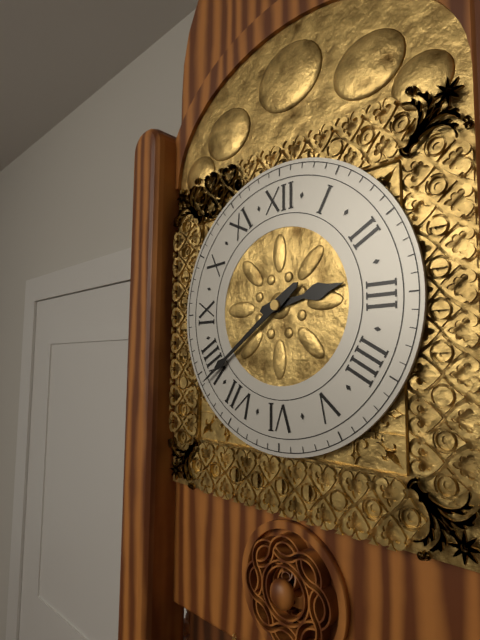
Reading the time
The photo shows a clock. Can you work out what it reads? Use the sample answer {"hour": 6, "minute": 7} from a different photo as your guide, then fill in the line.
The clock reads {"hour": 2, "minute": 39}
